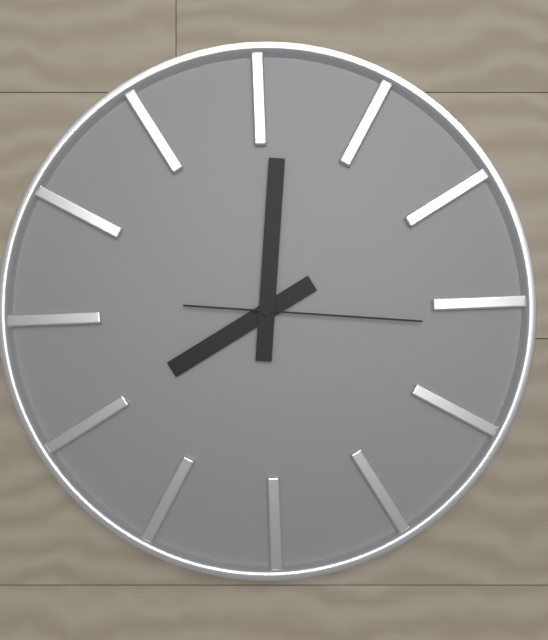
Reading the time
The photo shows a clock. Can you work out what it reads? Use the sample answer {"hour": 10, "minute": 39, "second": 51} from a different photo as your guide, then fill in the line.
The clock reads {"hour": 8, "minute": 1, "second": 16}
